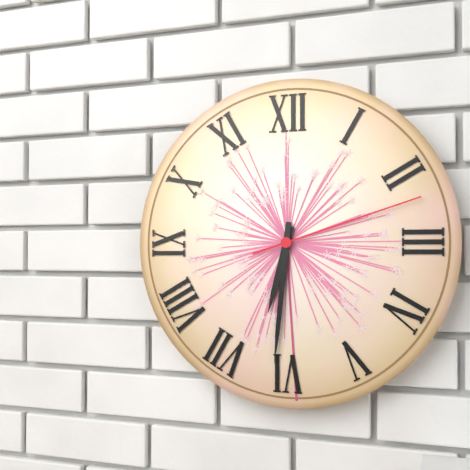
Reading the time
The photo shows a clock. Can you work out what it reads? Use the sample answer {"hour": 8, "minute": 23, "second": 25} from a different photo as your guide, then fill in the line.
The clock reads {"hour": 6, "minute": 31, "second": 12}
